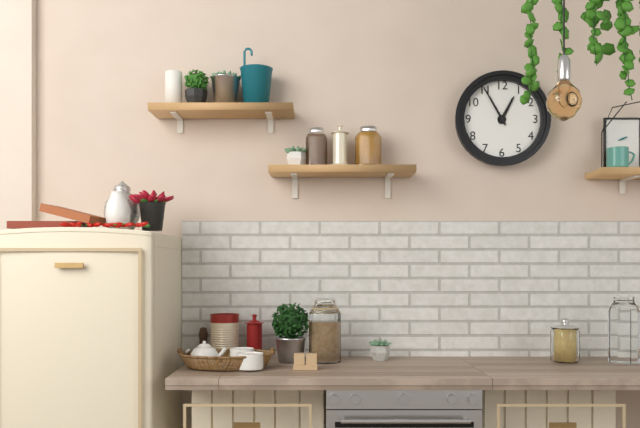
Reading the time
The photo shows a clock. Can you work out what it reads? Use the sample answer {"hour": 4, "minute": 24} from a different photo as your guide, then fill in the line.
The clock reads {"hour": 12, "minute": 55}
